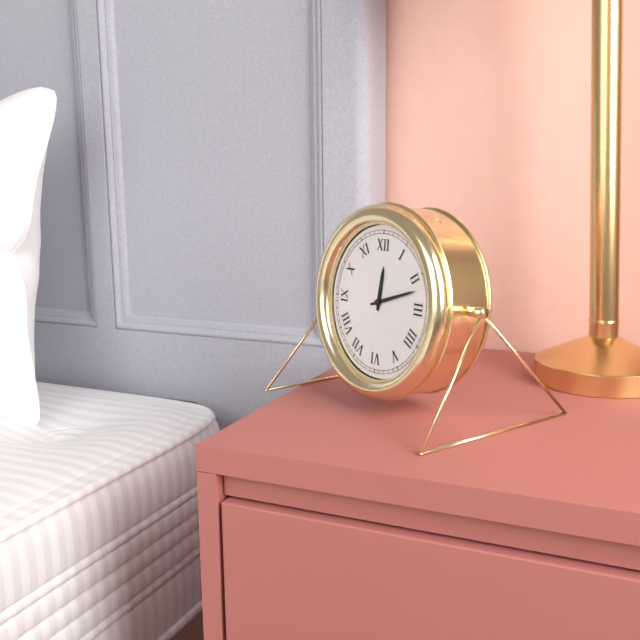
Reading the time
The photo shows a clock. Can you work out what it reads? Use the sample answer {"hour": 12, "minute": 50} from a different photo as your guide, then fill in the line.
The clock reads {"hour": 12, "minute": 12}
